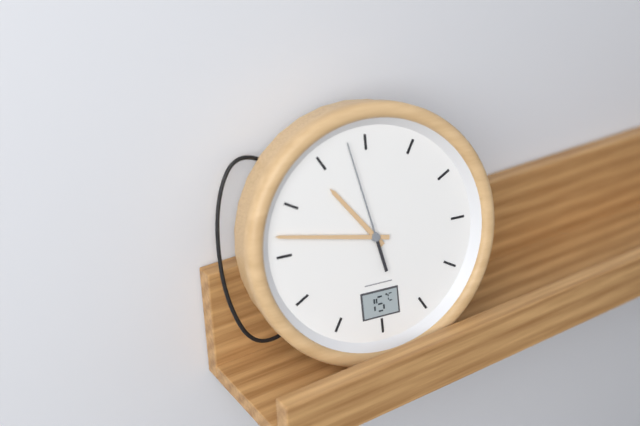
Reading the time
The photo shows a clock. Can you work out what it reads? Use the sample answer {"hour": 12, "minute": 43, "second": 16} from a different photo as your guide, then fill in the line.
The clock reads {"hour": 10, "minute": 47, "second": 58}
